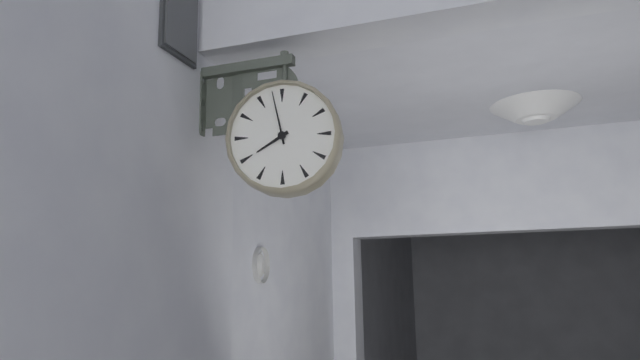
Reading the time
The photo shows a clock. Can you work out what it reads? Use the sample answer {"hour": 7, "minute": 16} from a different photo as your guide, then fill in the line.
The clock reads {"hour": 7, "minute": 58}
